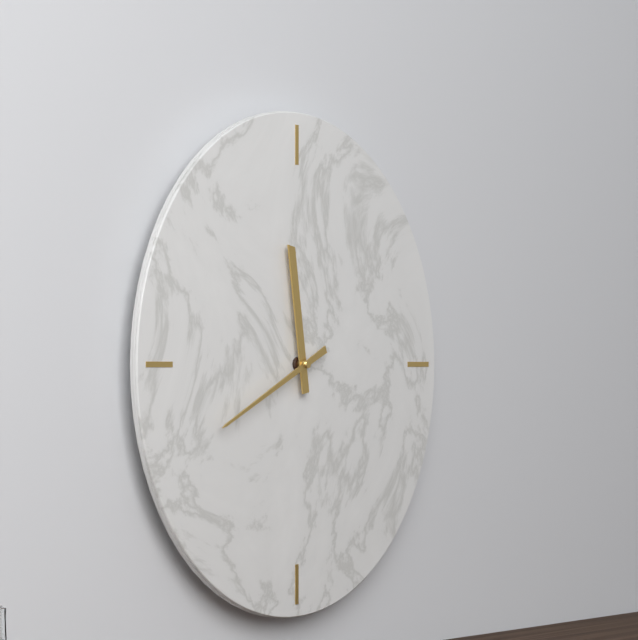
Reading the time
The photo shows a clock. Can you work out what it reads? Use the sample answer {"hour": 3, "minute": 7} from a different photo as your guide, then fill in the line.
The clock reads {"hour": 11, "minute": 41}
